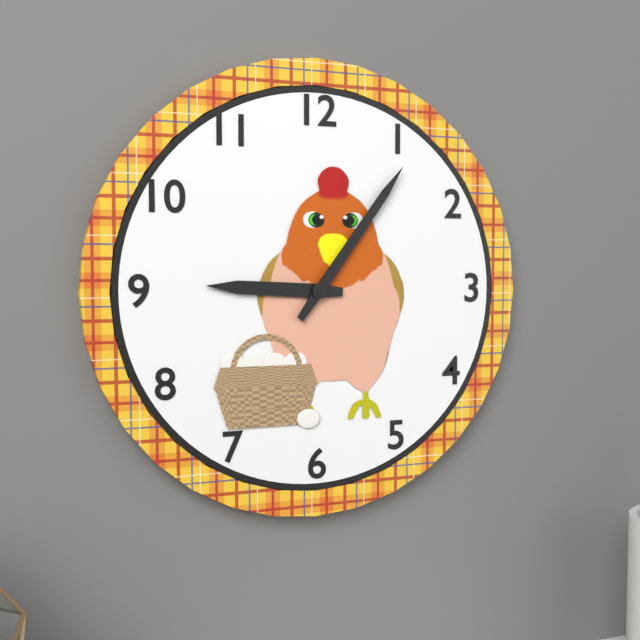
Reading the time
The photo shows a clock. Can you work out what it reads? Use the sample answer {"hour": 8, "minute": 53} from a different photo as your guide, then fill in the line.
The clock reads {"hour": 9, "minute": 6}
